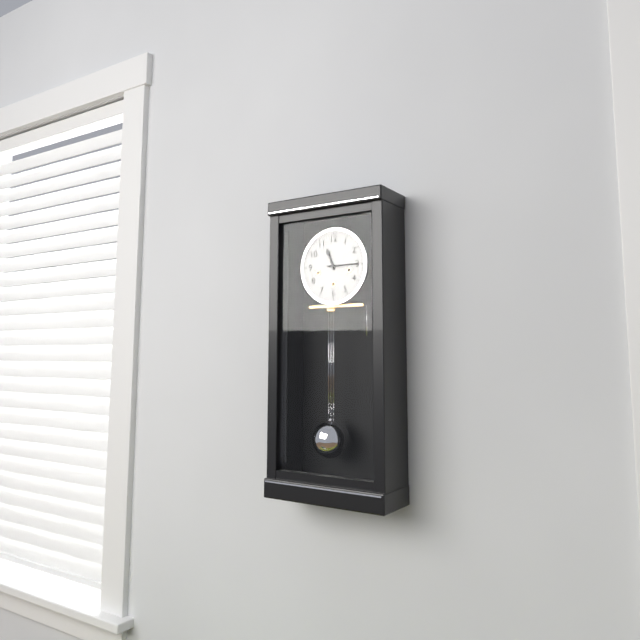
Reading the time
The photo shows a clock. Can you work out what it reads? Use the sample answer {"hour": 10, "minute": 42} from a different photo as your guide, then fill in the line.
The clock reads {"hour": 11, "minute": 15}
